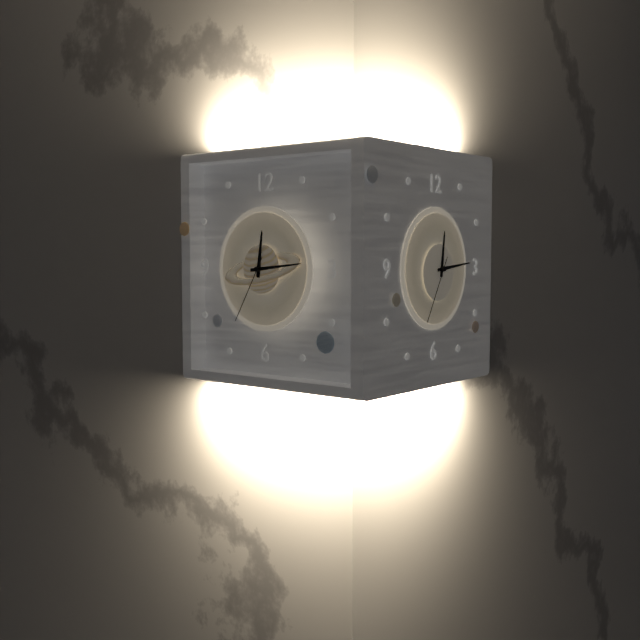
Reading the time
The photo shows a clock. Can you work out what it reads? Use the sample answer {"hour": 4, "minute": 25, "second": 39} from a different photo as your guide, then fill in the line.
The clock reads {"hour": 12, "minute": 14, "second": 35}
